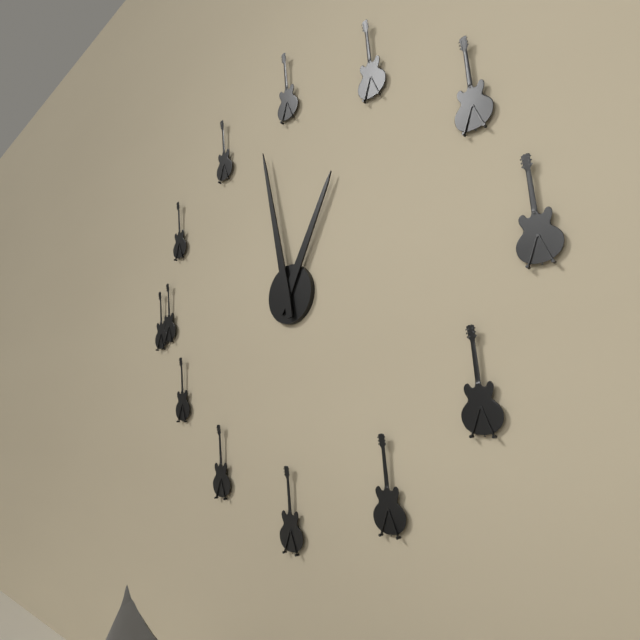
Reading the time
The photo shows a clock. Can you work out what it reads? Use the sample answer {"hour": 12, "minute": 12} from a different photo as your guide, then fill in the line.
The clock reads {"hour": 12, "minute": 58}
